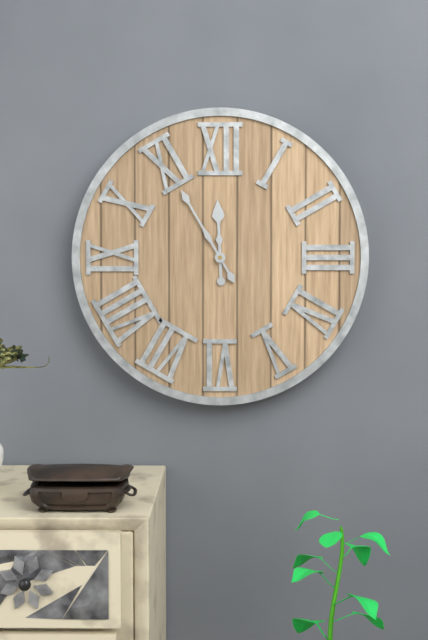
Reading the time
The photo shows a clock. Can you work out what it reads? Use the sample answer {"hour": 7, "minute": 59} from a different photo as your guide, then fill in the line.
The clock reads {"hour": 11, "minute": 55}
